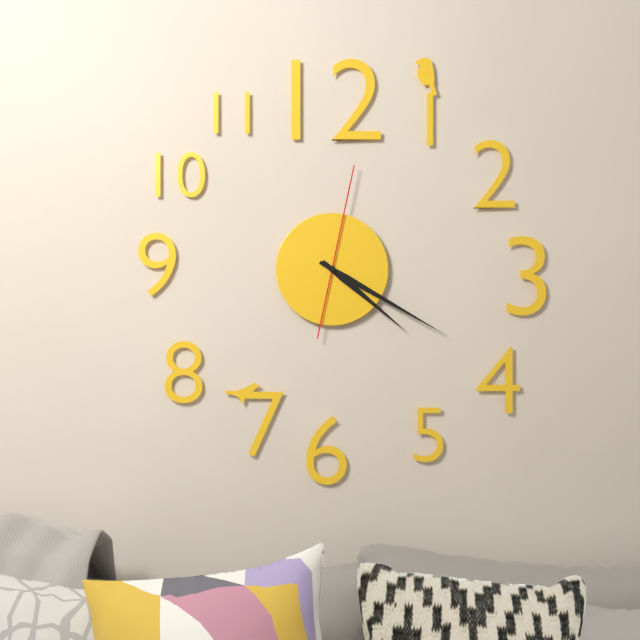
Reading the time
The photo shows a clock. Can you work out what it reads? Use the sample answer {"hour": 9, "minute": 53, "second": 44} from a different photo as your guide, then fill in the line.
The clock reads {"hour": 4, "minute": 20, "second": 2}
